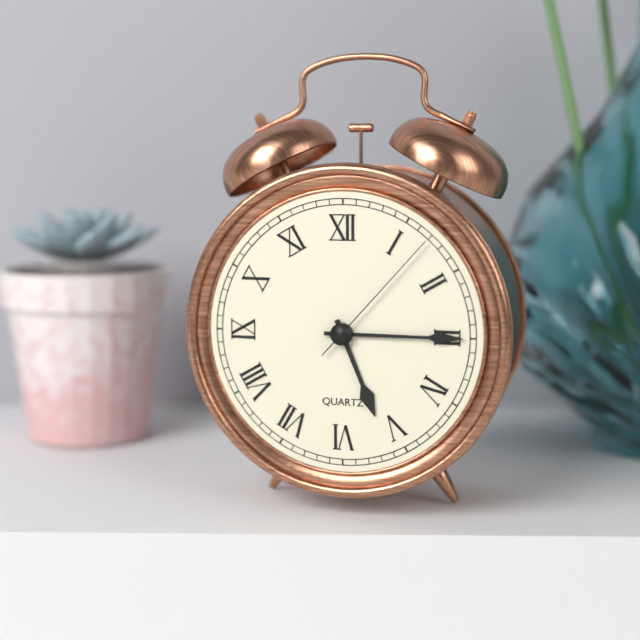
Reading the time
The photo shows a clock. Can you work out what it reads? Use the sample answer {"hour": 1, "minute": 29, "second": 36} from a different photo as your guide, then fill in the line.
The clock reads {"hour": 5, "minute": 15, "second": 7}
